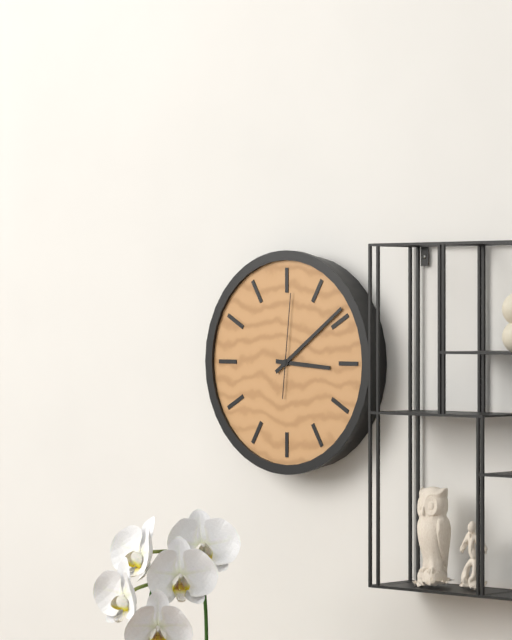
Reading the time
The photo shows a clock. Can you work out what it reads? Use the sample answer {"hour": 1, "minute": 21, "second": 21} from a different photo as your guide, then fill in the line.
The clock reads {"hour": 3, "minute": 9, "second": 1}
